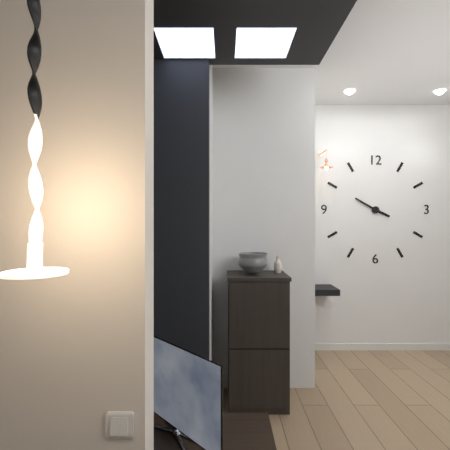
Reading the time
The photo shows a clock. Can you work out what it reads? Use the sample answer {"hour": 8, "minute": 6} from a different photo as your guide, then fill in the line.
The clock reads {"hour": 3, "minute": 50}
